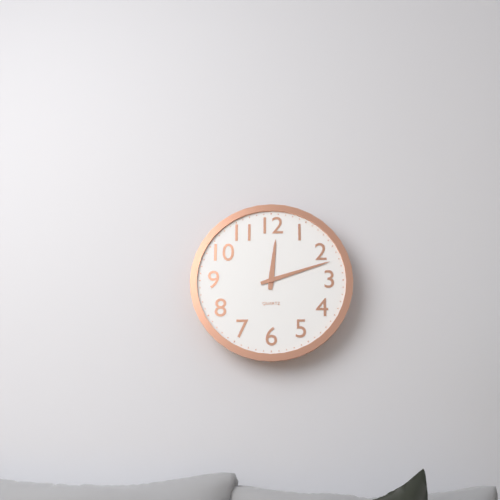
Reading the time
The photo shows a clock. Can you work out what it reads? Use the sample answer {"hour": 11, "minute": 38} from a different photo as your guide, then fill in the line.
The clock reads {"hour": 12, "minute": 12}
